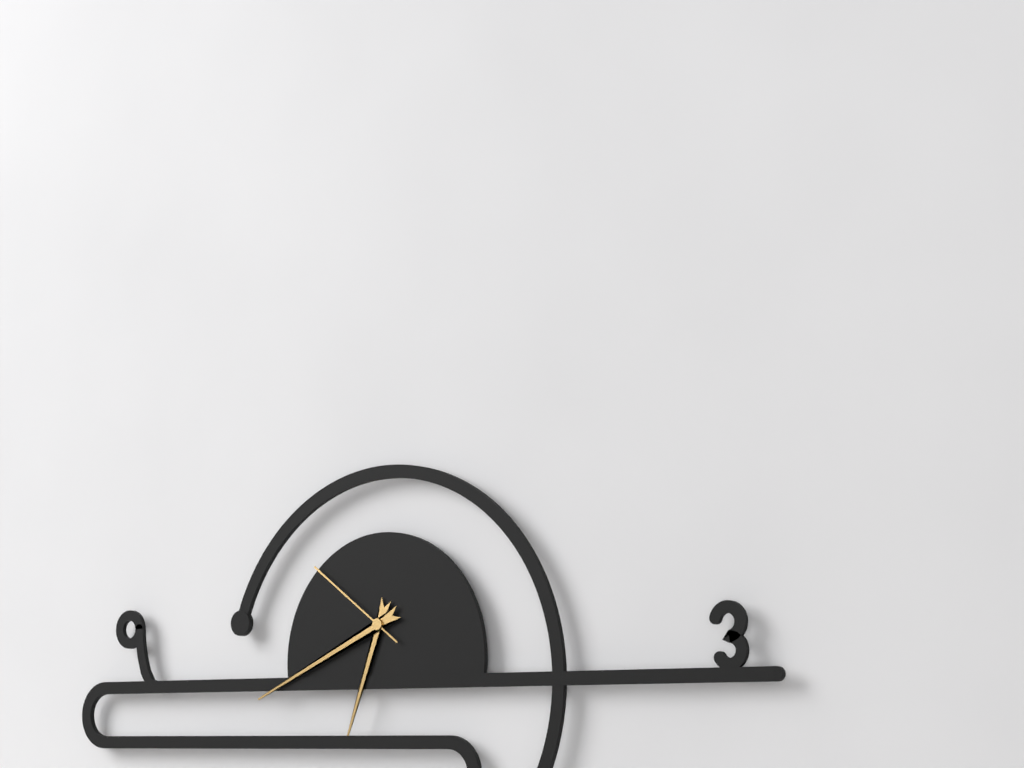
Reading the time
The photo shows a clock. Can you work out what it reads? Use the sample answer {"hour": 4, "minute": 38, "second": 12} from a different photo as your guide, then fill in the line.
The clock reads {"hour": 6, "minute": 41, "second": 51}
